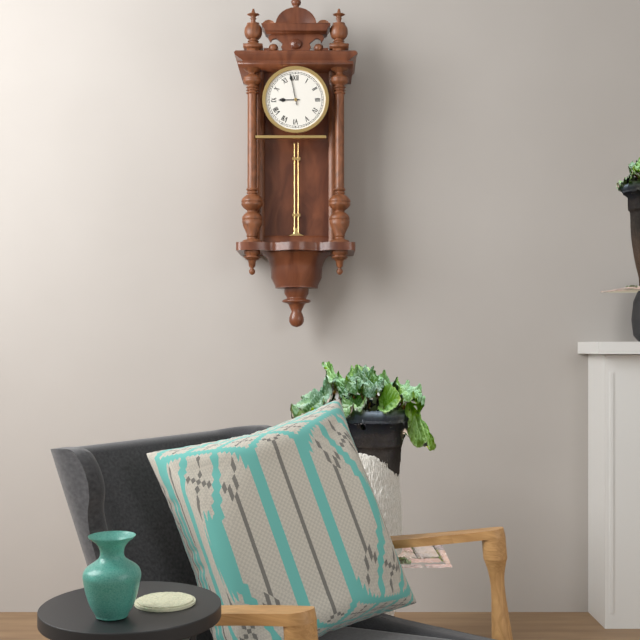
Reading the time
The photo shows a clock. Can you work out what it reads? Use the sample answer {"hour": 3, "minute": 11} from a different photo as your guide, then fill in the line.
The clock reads {"hour": 8, "minute": 58}
